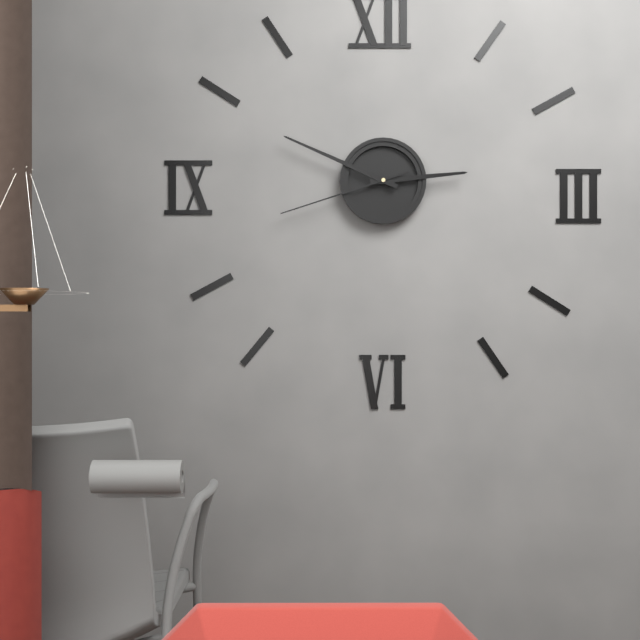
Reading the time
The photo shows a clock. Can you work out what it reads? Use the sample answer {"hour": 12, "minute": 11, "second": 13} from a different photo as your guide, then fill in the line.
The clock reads {"hour": 2, "minute": 49, "second": 42}
